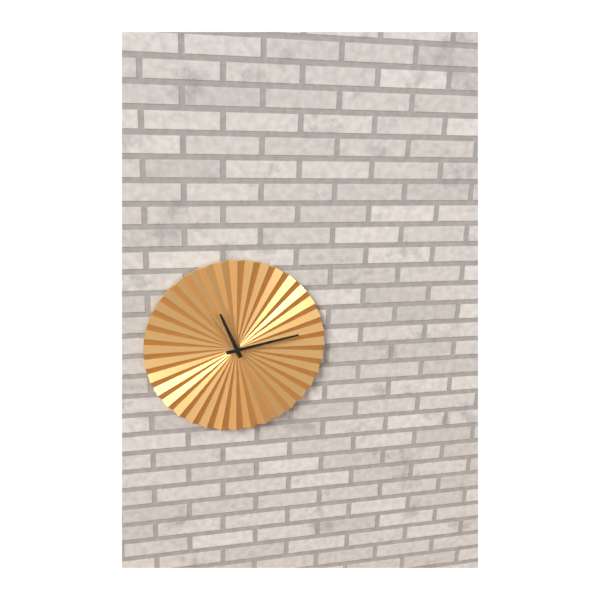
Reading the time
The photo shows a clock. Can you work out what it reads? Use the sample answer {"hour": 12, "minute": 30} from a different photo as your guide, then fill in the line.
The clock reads {"hour": 11, "minute": 13}
